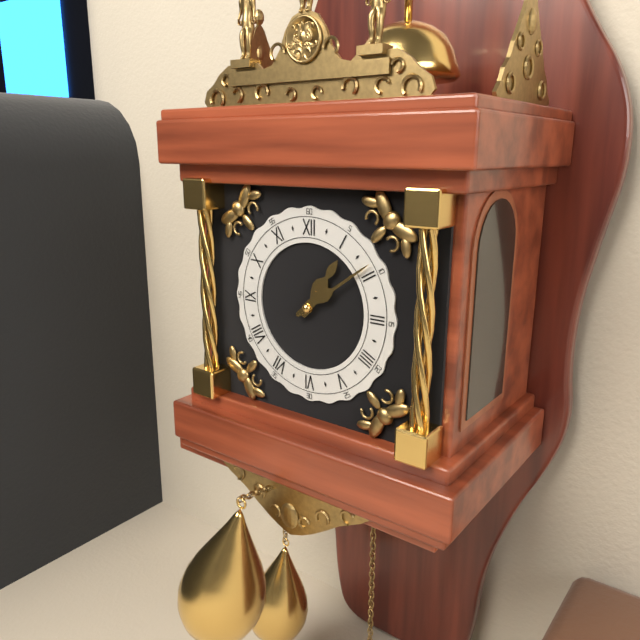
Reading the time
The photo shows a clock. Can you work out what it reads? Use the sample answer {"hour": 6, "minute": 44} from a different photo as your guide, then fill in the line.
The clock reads {"hour": 1, "minute": 9}
